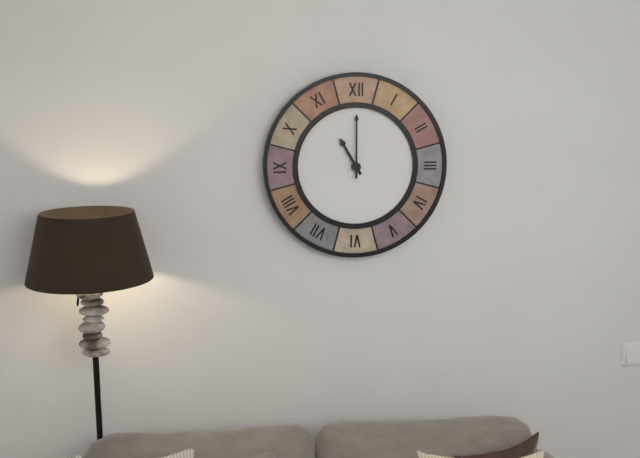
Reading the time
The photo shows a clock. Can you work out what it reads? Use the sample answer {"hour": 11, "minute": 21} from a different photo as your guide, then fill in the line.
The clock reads {"hour": 11, "minute": 0}
